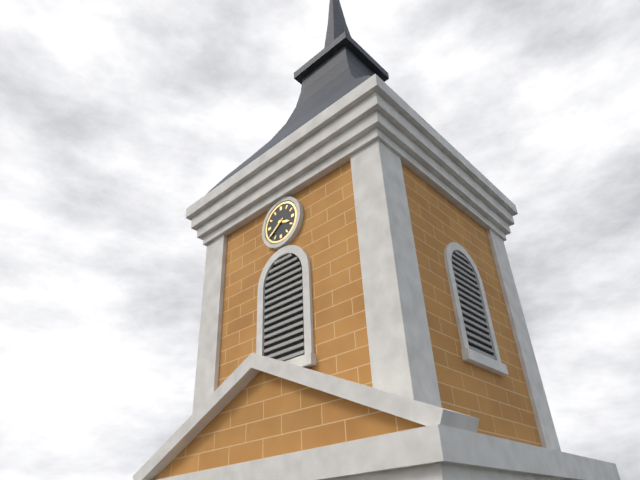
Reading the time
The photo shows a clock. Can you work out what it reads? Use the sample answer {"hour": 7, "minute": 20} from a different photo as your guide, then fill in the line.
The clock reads {"hour": 3, "minute": 39}
